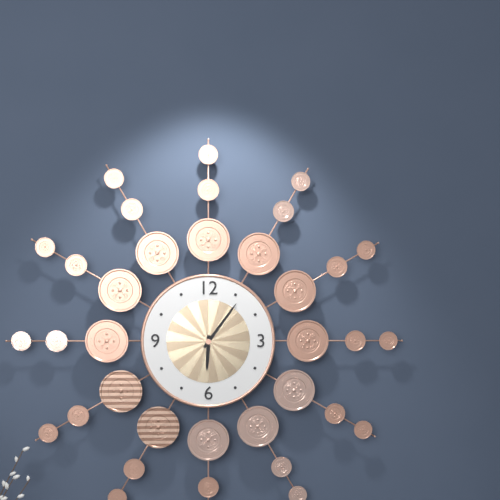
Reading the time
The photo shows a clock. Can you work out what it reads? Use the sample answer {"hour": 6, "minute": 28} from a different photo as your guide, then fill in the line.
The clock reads {"hour": 6, "minute": 6}
